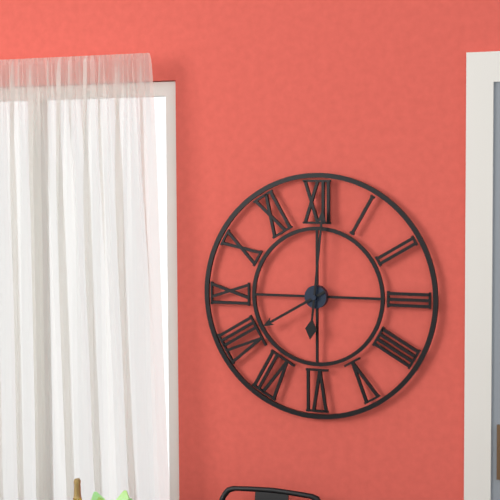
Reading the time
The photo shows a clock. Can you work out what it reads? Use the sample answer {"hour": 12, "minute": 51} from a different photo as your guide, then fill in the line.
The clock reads {"hour": 8, "minute": 1}
